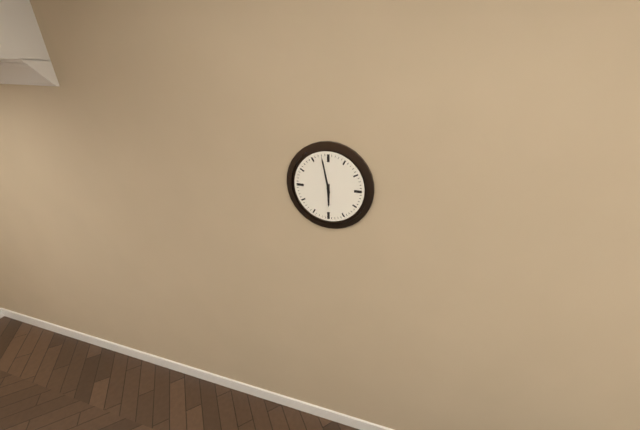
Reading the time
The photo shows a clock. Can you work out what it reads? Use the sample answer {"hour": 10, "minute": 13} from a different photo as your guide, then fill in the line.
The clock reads {"hour": 5, "minute": 58}
